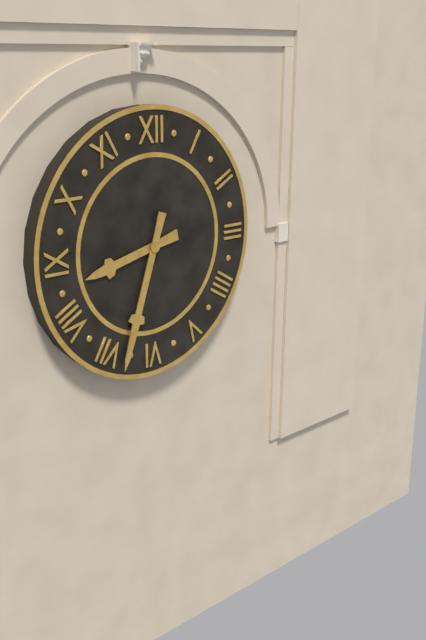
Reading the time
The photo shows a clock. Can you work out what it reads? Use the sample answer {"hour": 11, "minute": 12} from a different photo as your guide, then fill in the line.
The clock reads {"hour": 8, "minute": 33}
